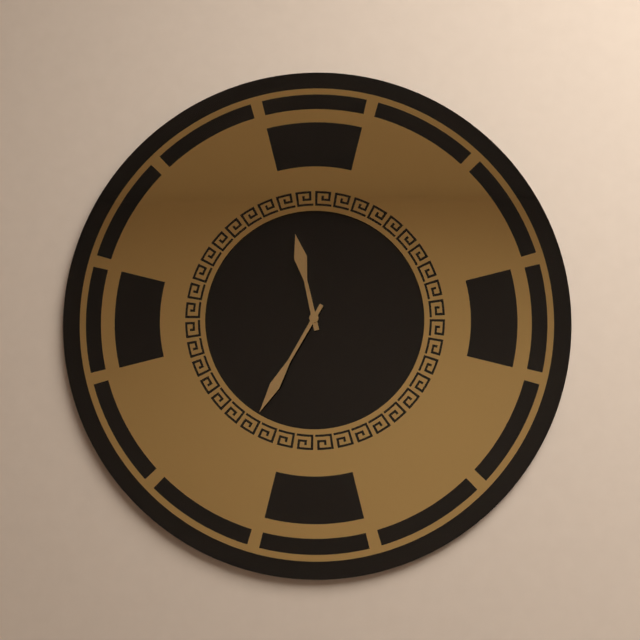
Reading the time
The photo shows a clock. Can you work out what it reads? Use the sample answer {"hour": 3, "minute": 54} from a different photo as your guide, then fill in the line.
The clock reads {"hour": 11, "minute": 35}
